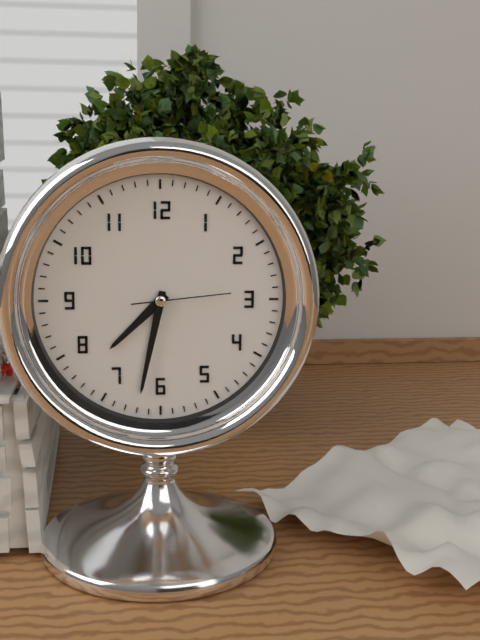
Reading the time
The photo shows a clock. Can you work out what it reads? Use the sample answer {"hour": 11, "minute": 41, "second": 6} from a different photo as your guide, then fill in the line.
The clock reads {"hour": 7, "minute": 32, "second": 14}
